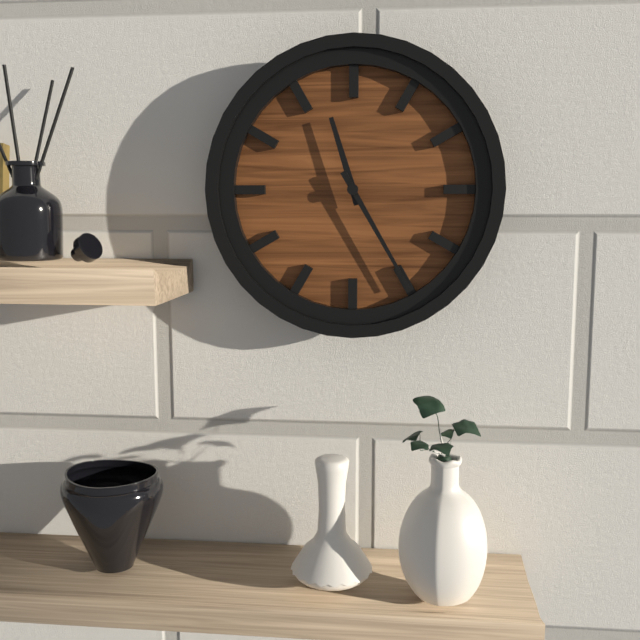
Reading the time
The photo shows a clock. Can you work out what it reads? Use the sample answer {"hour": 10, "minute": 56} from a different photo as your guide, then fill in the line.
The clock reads {"hour": 11, "minute": 25}
